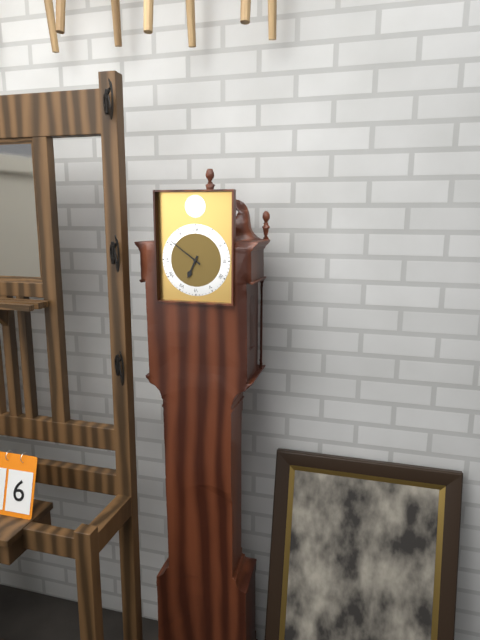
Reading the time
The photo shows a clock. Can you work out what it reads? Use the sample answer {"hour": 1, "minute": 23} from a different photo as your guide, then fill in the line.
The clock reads {"hour": 6, "minute": 51}
